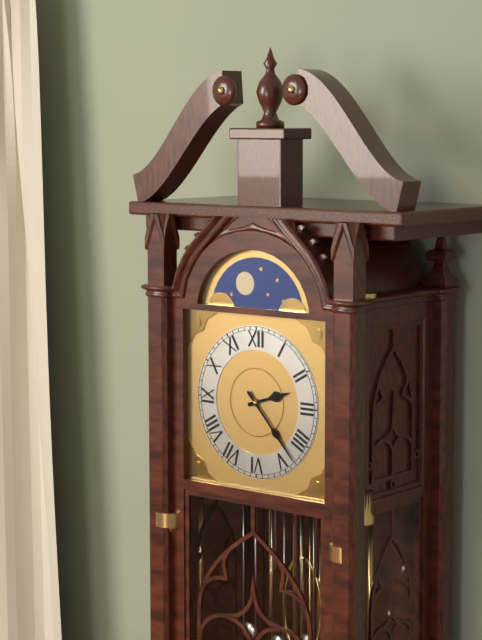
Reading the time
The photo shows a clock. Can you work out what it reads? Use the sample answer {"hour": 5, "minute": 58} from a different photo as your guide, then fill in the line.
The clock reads {"hour": 2, "minute": 23}
